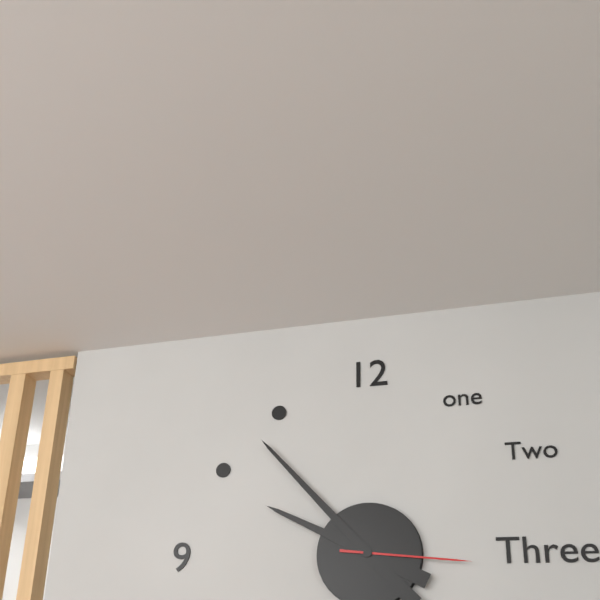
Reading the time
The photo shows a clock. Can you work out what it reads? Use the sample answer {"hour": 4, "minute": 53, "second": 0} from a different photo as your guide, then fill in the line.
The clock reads {"hour": 9, "minute": 53, "second": 16}
